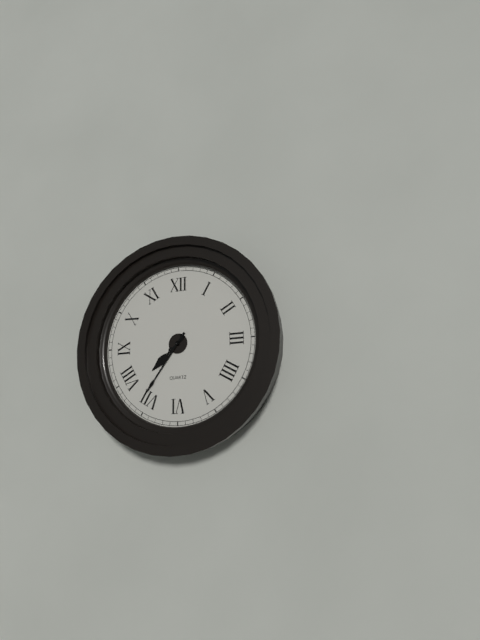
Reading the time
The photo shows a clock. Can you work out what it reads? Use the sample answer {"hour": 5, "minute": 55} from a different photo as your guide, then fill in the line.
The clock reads {"hour": 7, "minute": 36}
